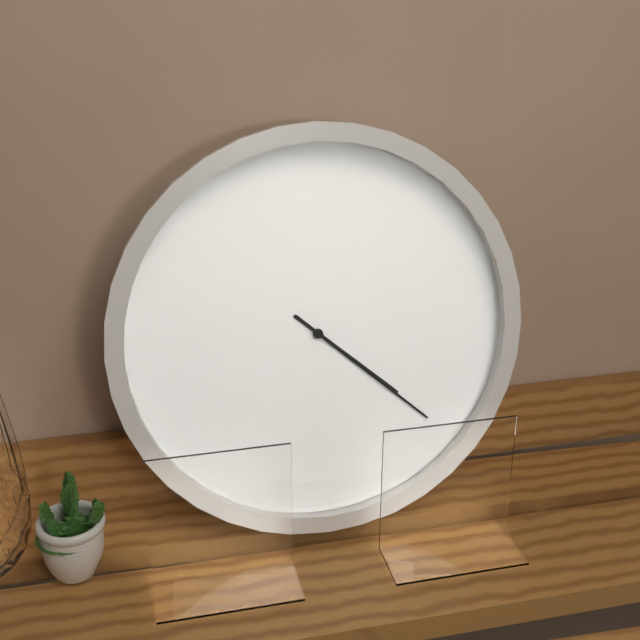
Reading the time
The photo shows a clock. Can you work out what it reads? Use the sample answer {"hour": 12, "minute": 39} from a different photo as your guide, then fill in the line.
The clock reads {"hour": 4, "minute": 22}
